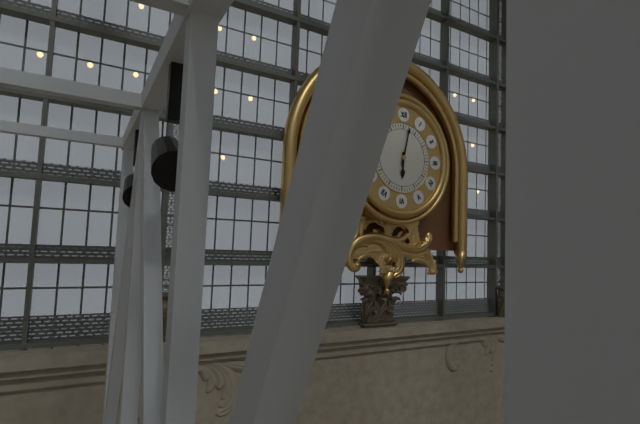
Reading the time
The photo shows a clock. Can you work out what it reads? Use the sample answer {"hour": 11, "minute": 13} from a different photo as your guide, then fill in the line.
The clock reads {"hour": 6, "minute": 2}
